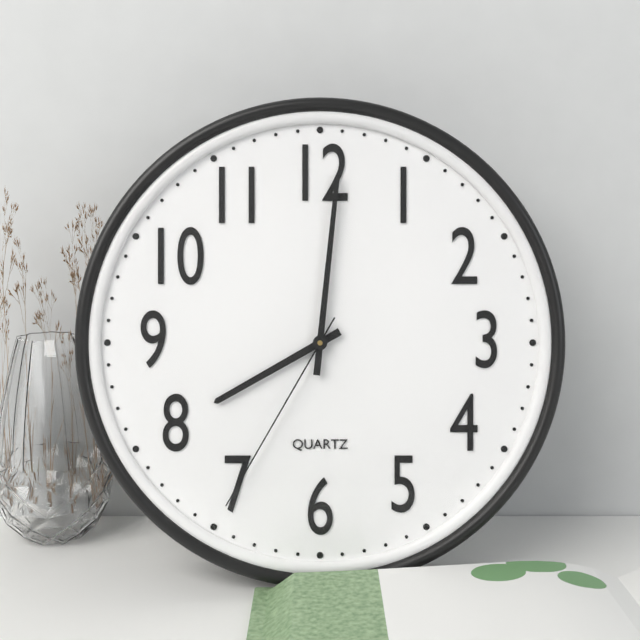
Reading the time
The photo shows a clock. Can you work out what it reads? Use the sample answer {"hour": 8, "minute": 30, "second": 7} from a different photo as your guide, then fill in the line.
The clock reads {"hour": 8, "minute": 1, "second": 35}
